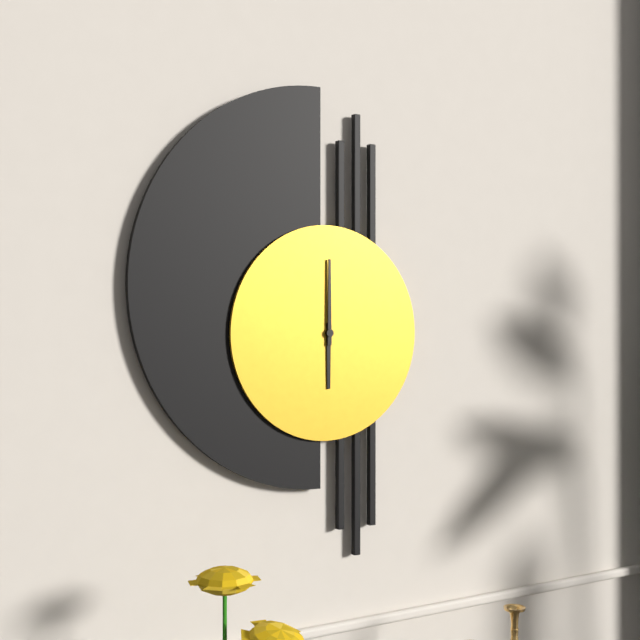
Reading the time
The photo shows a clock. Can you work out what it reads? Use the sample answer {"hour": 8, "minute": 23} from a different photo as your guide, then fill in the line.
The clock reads {"hour": 6, "minute": 0}
